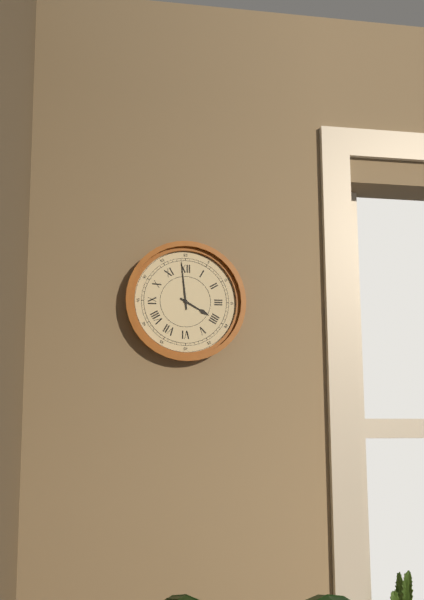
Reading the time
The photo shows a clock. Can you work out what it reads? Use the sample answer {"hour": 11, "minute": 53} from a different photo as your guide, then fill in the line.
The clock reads {"hour": 3, "minute": 59}
